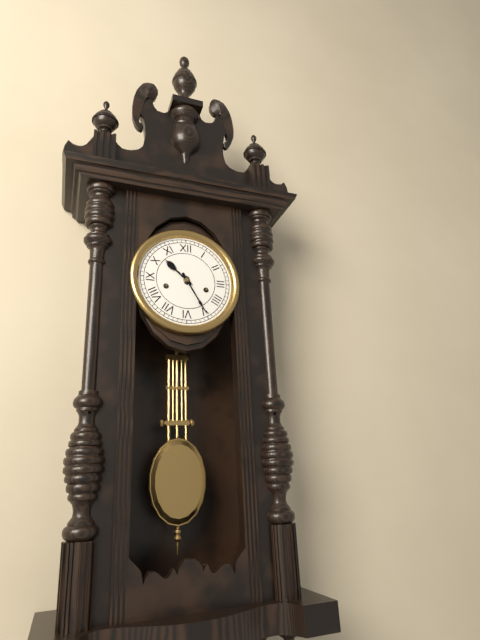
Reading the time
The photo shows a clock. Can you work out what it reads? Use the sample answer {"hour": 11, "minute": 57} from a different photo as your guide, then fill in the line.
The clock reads {"hour": 10, "minute": 25}
